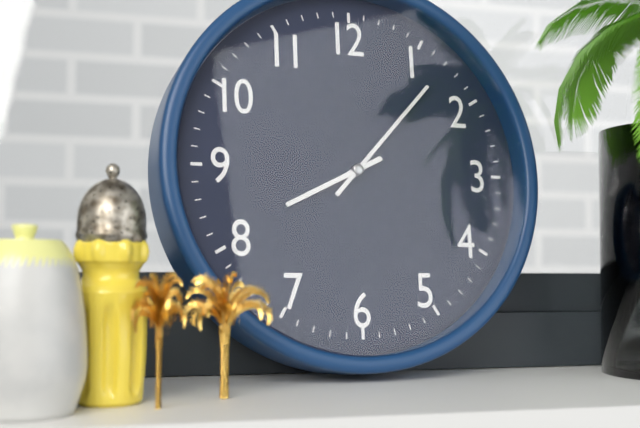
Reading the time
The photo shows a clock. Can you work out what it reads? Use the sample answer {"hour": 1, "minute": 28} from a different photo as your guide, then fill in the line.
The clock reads {"hour": 8, "minute": 7}
